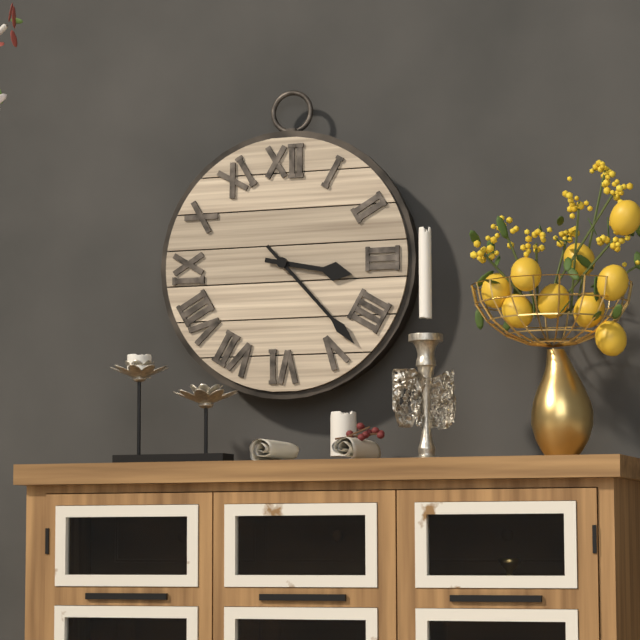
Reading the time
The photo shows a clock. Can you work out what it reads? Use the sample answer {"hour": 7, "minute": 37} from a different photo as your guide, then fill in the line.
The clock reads {"hour": 3, "minute": 23}
